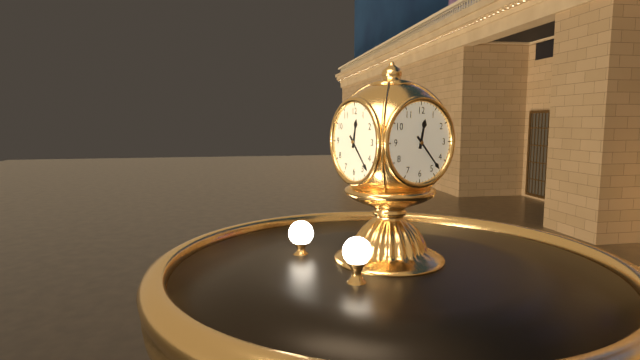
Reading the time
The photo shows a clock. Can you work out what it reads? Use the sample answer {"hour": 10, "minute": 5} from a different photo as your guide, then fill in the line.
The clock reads {"hour": 12, "minute": 23}
